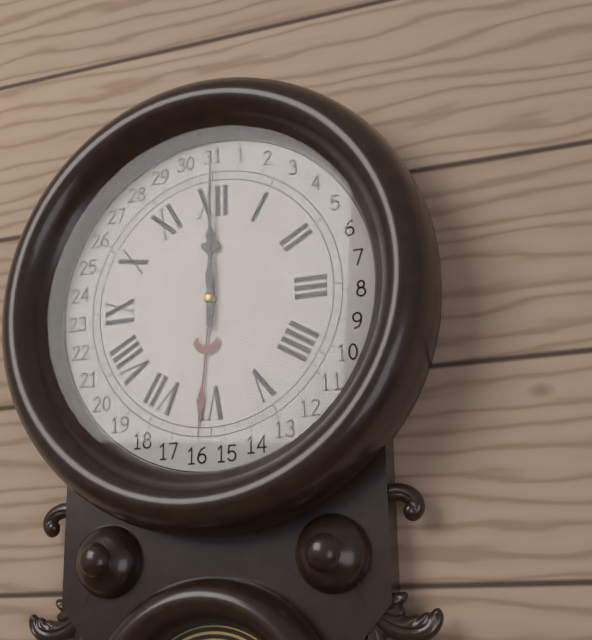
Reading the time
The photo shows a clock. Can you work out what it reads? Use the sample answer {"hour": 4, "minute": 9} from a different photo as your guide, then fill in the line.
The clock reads {"hour": 12, "minute": 0}
